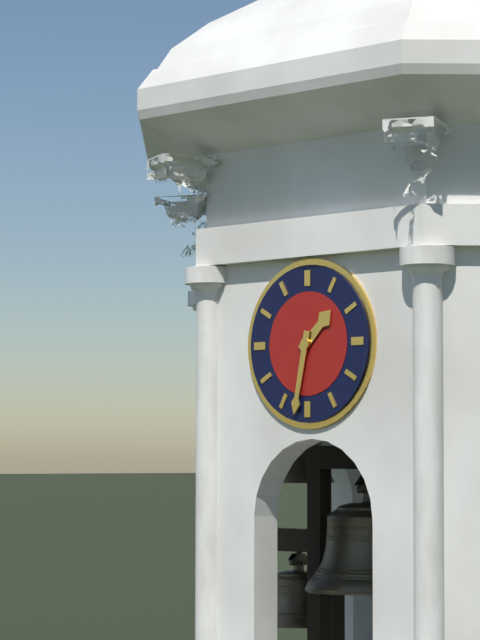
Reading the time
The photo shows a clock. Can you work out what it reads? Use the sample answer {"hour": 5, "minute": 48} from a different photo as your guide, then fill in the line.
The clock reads {"hour": 1, "minute": 32}
